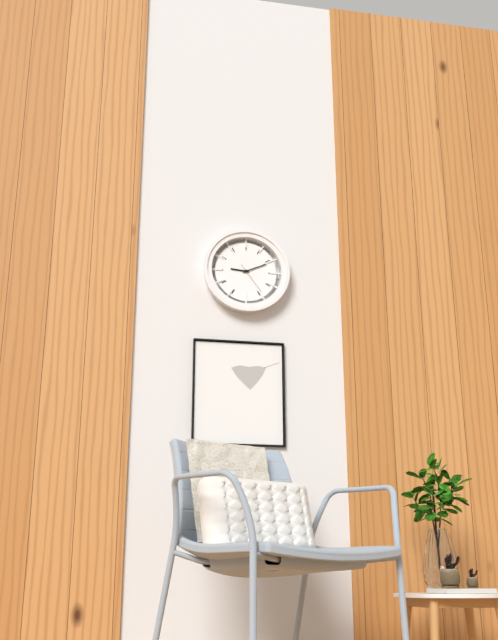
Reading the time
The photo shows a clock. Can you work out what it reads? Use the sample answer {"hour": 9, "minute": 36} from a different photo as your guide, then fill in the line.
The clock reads {"hour": 9, "minute": 11}
